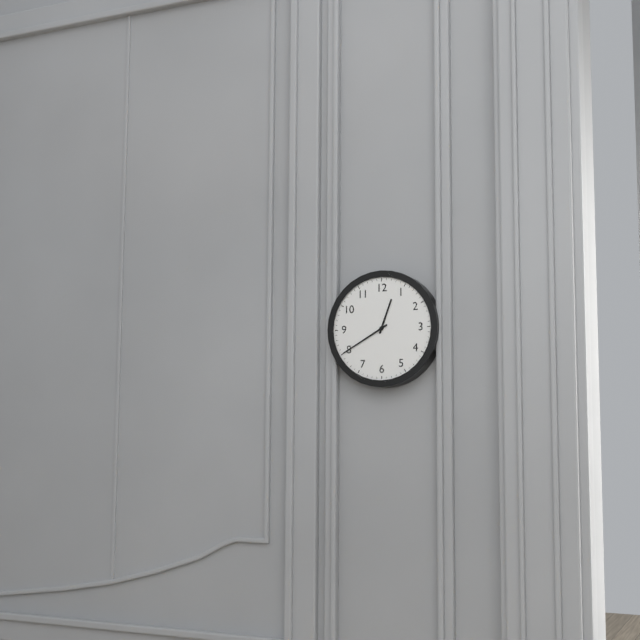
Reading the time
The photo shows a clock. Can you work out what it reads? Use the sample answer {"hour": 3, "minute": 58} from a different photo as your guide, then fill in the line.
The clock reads {"hour": 12, "minute": 40}
